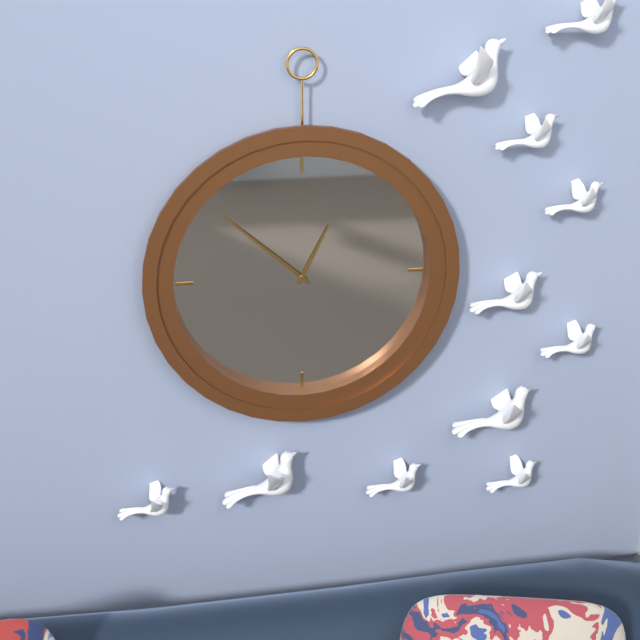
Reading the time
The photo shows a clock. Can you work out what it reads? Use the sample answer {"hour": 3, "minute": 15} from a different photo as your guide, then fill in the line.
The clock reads {"hour": 12, "minute": 52}
